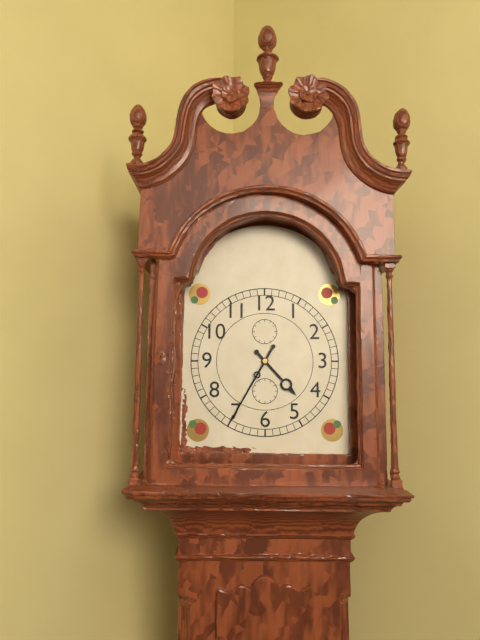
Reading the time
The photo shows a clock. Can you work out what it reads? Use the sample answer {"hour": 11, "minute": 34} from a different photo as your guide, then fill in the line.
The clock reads {"hour": 4, "minute": 35}
